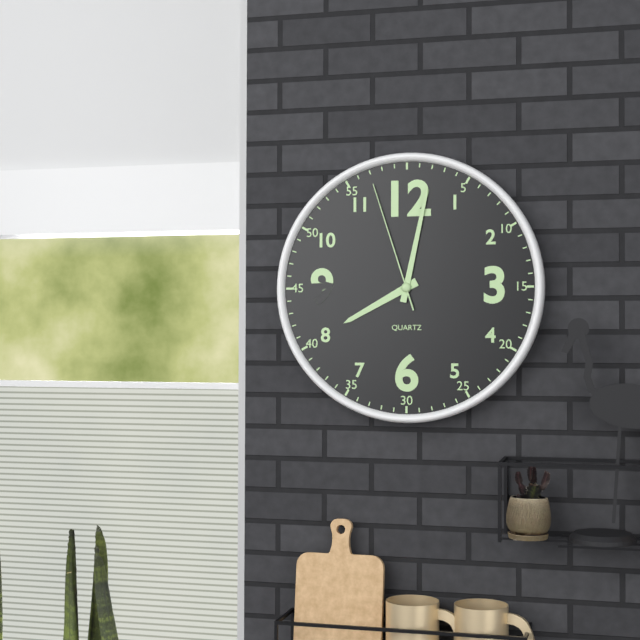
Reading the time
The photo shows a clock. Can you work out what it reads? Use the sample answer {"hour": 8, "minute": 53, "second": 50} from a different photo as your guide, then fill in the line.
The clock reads {"hour": 8, "minute": 2, "second": 57}
